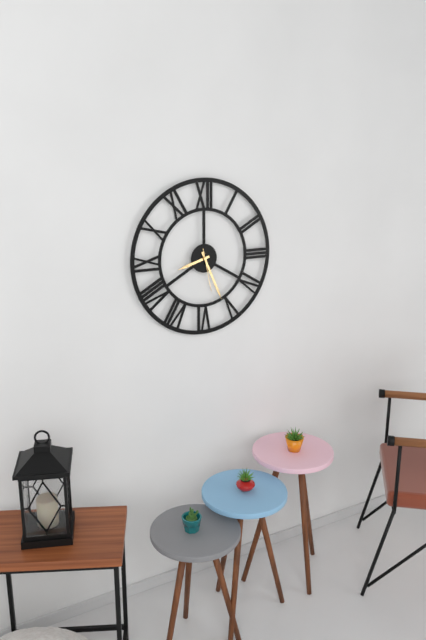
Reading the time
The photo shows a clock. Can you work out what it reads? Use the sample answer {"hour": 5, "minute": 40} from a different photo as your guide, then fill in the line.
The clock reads {"hour": 8, "minute": 26}
